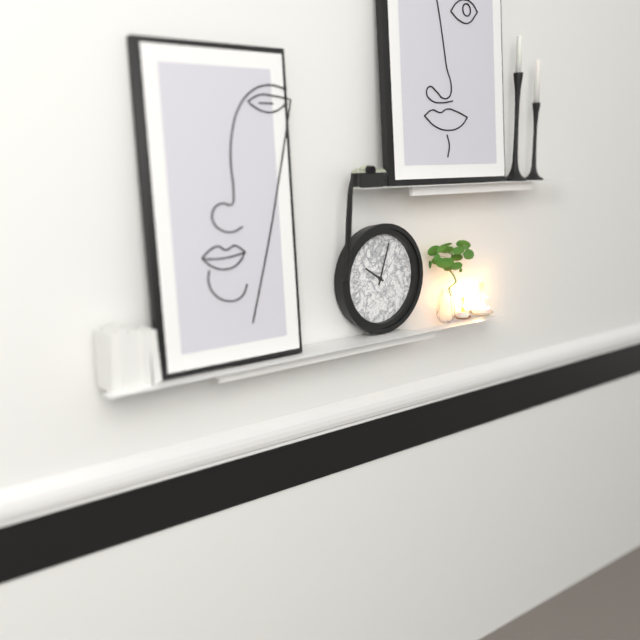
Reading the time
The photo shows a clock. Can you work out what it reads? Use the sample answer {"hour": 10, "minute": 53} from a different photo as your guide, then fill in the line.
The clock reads {"hour": 10, "minute": 3}
